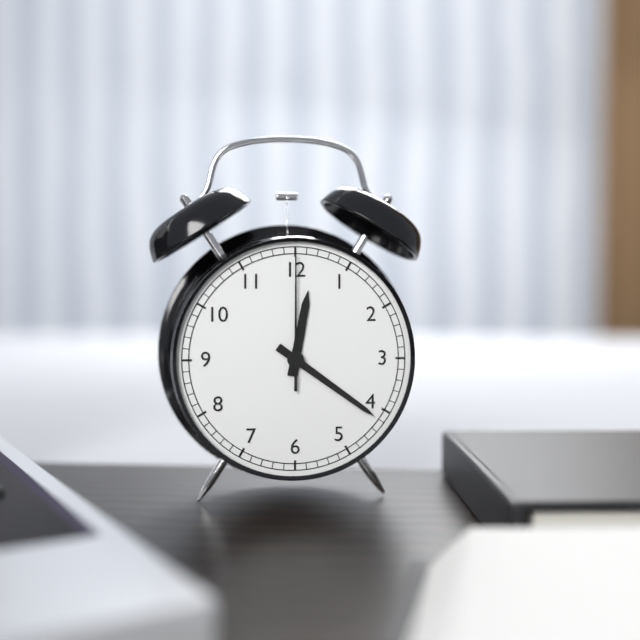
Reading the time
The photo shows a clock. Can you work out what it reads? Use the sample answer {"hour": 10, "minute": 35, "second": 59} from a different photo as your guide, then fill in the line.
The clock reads {"hour": 12, "minute": 21, "second": 0}
